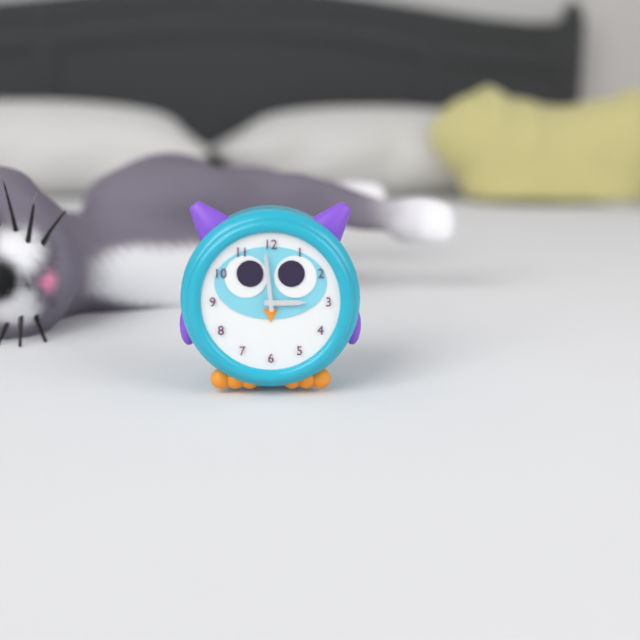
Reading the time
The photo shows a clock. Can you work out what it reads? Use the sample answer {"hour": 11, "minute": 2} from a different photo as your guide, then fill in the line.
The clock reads {"hour": 2, "minute": 59}
